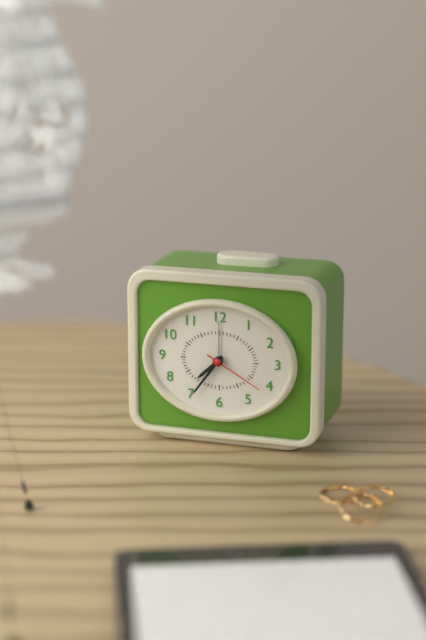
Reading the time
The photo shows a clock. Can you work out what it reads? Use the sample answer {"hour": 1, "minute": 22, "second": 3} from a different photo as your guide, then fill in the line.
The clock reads {"hour": 7, "minute": 36, "second": 20}
